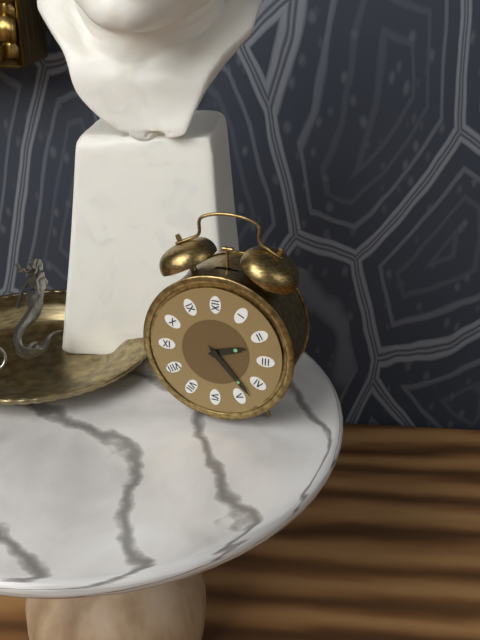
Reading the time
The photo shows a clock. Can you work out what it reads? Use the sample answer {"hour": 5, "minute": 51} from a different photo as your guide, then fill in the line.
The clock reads {"hour": 2, "minute": 23}
